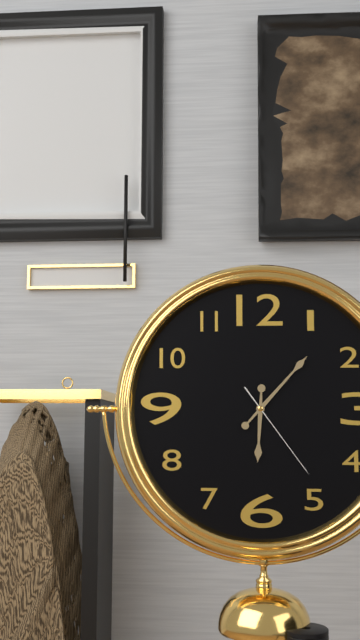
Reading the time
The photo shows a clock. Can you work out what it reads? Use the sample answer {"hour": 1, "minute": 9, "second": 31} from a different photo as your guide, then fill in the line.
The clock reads {"hour": 6, "minute": 7, "second": 24}
